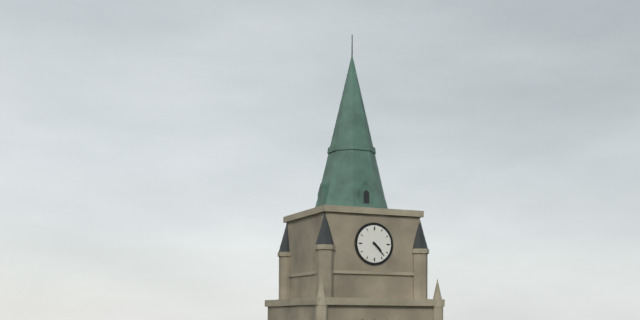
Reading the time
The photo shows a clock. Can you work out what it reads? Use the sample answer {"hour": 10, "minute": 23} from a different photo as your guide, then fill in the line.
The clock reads {"hour": 4, "minute": 23}
